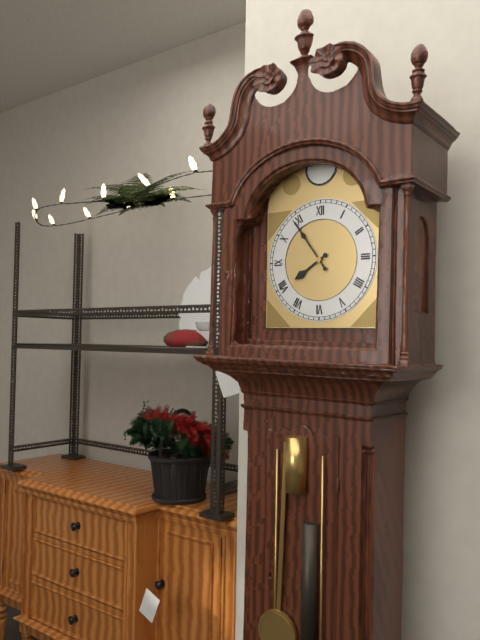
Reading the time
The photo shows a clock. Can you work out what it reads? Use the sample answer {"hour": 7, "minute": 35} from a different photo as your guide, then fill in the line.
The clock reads {"hour": 7, "minute": 54}
